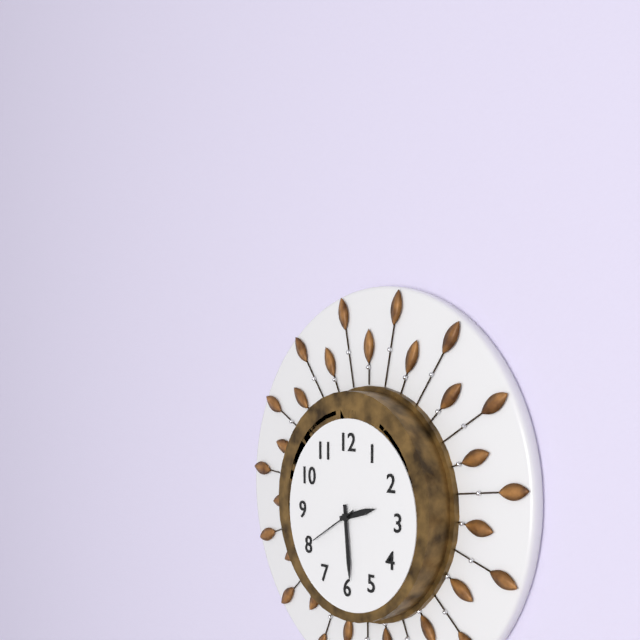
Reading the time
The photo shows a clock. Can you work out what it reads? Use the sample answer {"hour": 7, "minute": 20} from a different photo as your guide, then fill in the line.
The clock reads {"hour": 2, "minute": 29}
